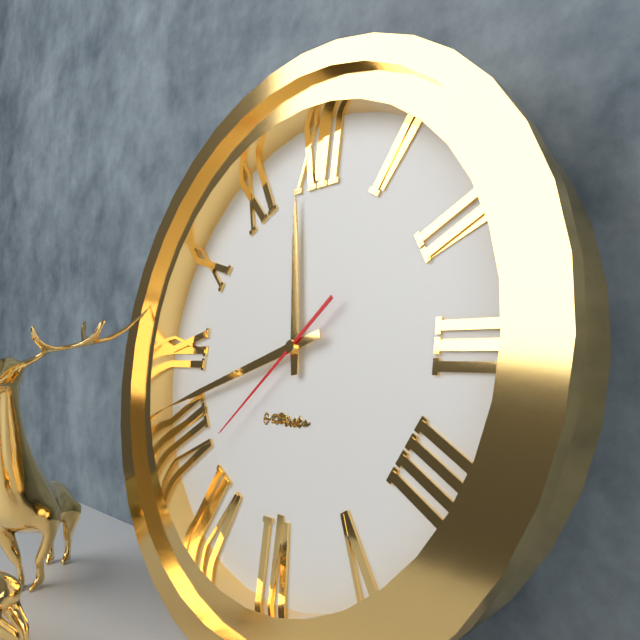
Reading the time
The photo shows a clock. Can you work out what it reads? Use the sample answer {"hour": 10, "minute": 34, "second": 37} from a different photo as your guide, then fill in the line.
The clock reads {"hour": 11, "minute": 42, "second": 38}
